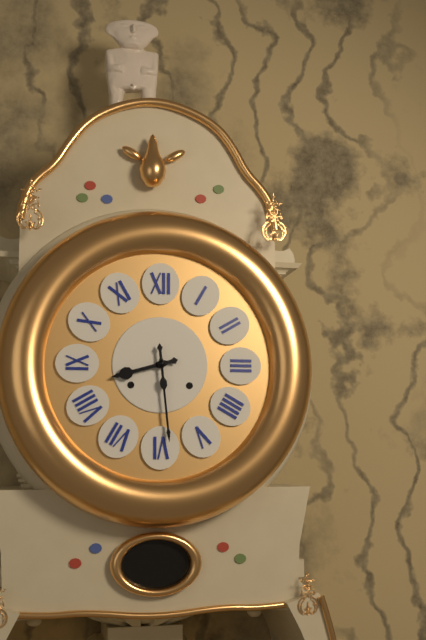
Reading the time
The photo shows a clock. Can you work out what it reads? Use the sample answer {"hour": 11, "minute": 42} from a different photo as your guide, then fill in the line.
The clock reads {"hour": 8, "minute": 29}
